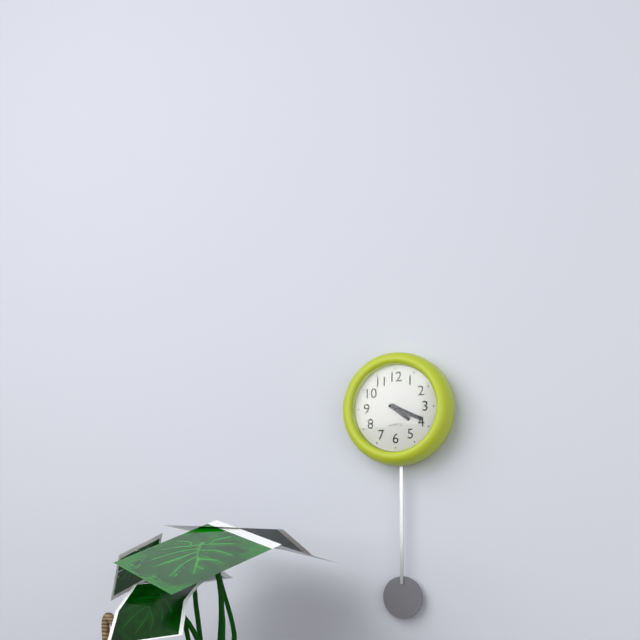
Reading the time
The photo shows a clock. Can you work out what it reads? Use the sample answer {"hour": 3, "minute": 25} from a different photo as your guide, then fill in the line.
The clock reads {"hour": 4, "minute": 19}
